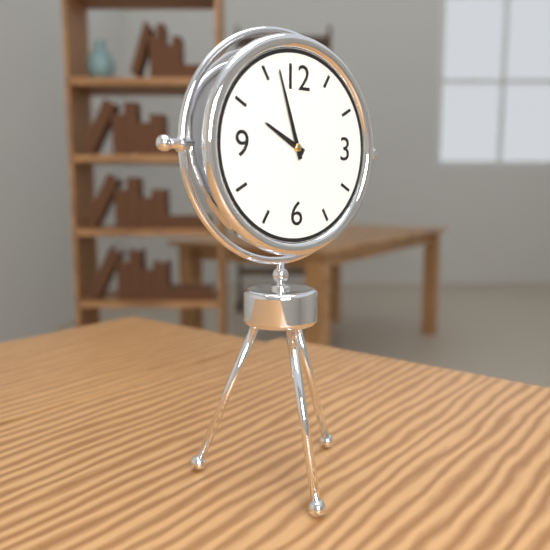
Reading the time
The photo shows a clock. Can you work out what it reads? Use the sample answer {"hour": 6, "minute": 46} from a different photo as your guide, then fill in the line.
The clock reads {"hour": 9, "minute": 57}
